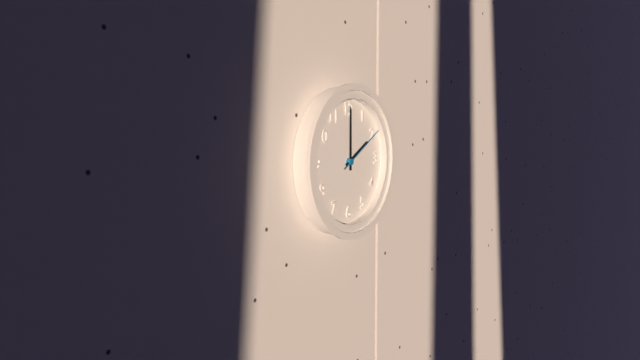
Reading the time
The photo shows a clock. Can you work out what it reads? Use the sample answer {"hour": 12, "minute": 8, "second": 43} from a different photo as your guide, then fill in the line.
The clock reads {"hour": 2, "minute": 0, "second": 10}
